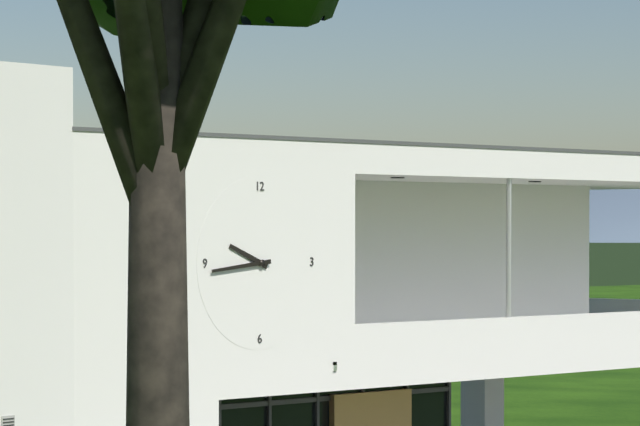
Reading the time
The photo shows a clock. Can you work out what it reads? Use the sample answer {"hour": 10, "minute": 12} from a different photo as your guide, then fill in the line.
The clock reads {"hour": 9, "minute": 44}
